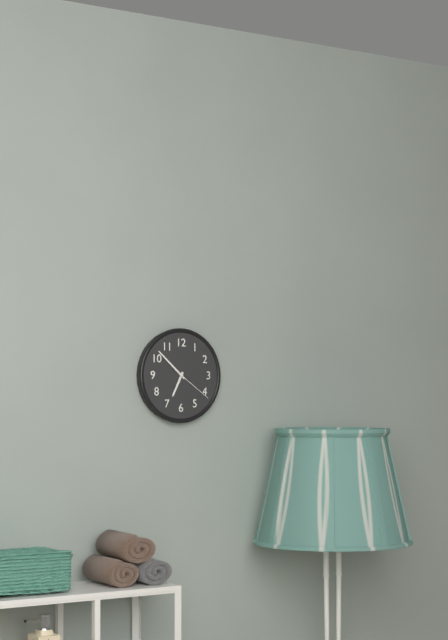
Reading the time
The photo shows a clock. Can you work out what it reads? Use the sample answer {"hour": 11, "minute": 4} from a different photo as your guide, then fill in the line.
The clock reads {"hour": 6, "minute": 52}
